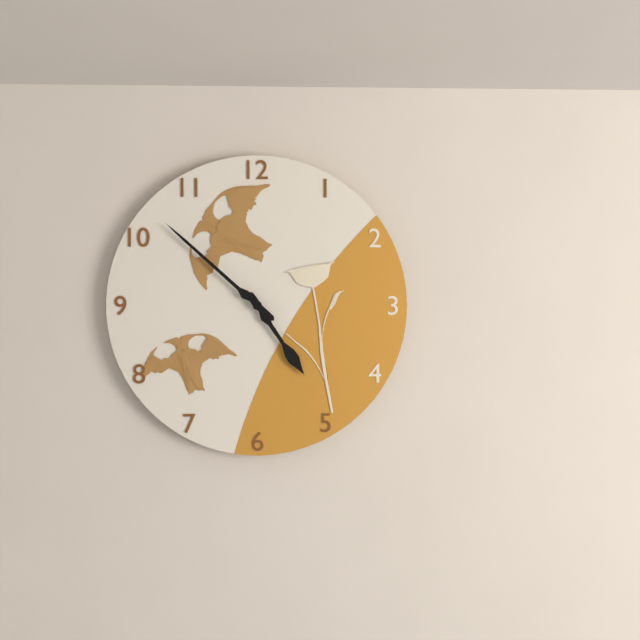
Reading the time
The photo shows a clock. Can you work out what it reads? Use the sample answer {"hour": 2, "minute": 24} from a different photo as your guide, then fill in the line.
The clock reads {"hour": 4, "minute": 52}
